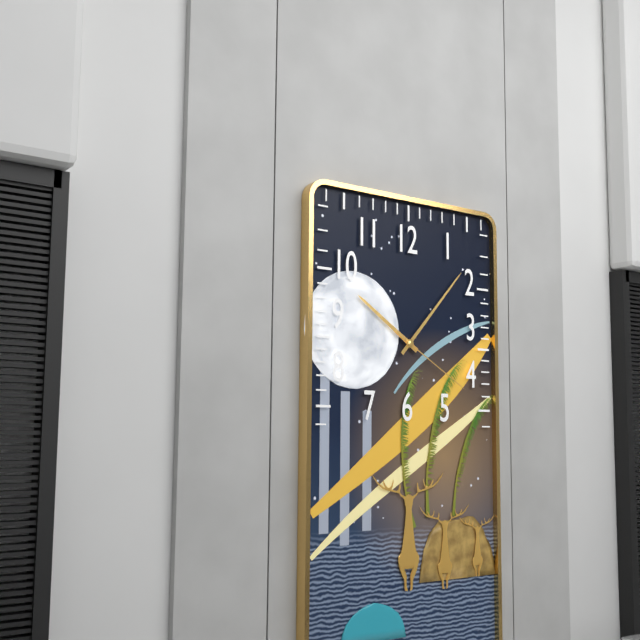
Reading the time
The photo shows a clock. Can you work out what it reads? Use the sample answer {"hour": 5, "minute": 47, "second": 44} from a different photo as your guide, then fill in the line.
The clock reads {"hour": 10, "minute": 7, "second": 20}
